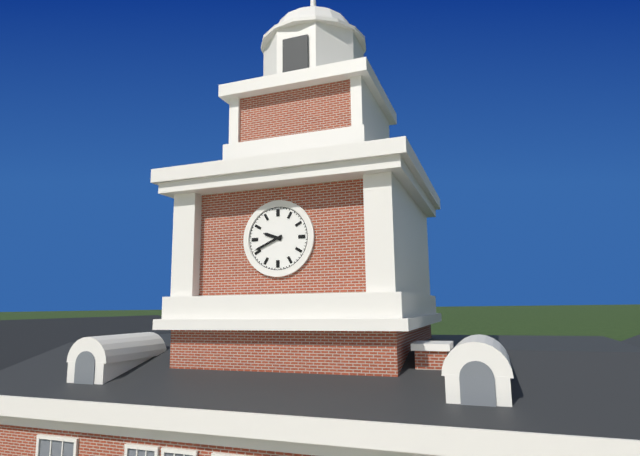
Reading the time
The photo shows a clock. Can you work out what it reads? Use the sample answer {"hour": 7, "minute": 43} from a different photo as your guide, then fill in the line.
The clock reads {"hour": 9, "minute": 41}
